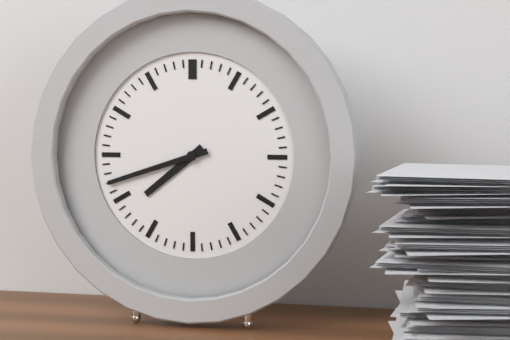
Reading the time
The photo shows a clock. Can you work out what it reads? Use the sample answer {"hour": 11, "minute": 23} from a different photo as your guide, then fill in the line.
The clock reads {"hour": 7, "minute": 42}
